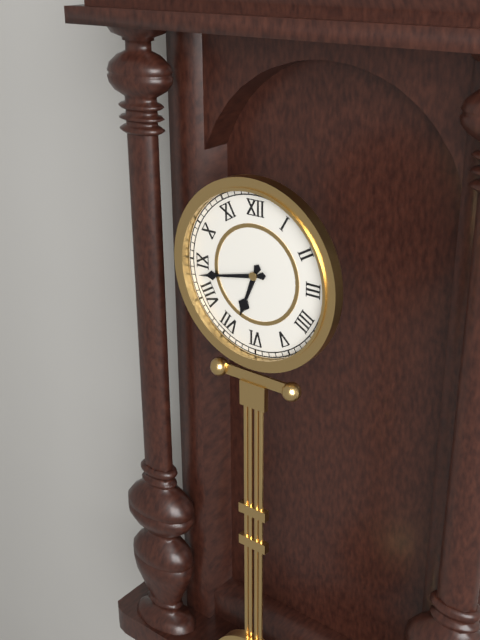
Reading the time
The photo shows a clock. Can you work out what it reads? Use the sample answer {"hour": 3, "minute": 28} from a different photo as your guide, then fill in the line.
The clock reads {"hour": 6, "minute": 43}
